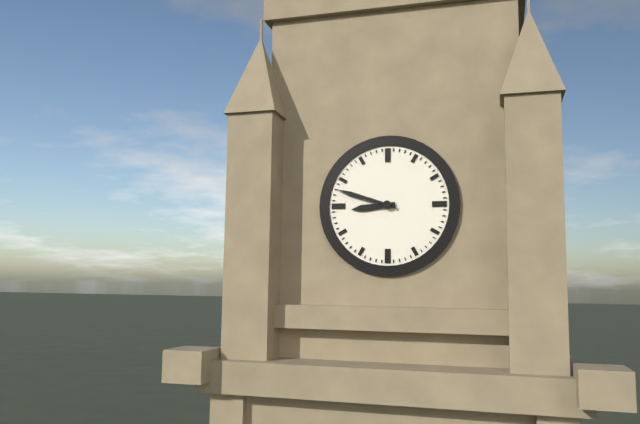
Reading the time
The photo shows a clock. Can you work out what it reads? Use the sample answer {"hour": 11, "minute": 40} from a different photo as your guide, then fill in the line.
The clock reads {"hour": 8, "minute": 48}
